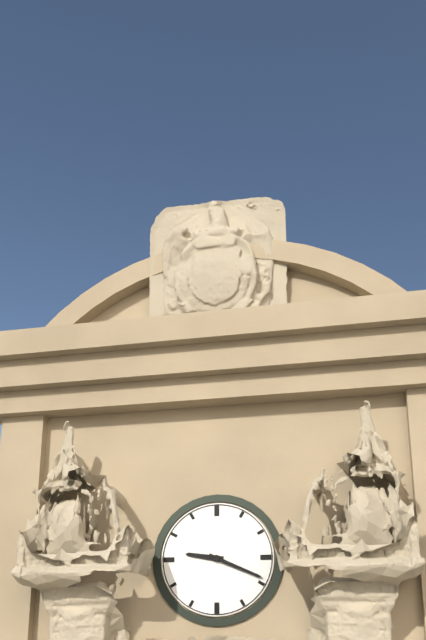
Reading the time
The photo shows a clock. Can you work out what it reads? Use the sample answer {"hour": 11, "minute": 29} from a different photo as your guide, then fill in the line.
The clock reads {"hour": 9, "minute": 19}
